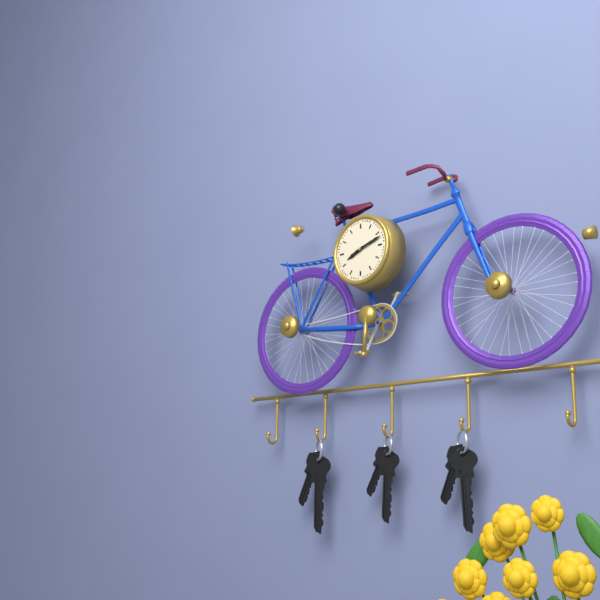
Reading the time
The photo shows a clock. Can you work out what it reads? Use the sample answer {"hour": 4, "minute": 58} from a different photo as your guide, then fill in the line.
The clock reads {"hour": 8, "minute": 12}
